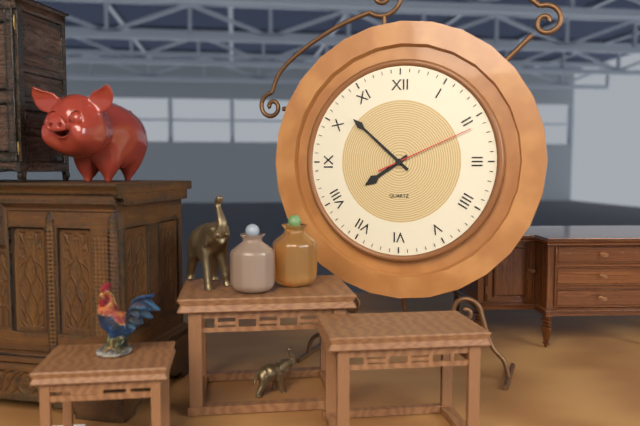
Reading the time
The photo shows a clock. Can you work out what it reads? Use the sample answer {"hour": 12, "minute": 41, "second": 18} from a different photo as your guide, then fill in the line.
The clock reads {"hour": 7, "minute": 52, "second": 11}
